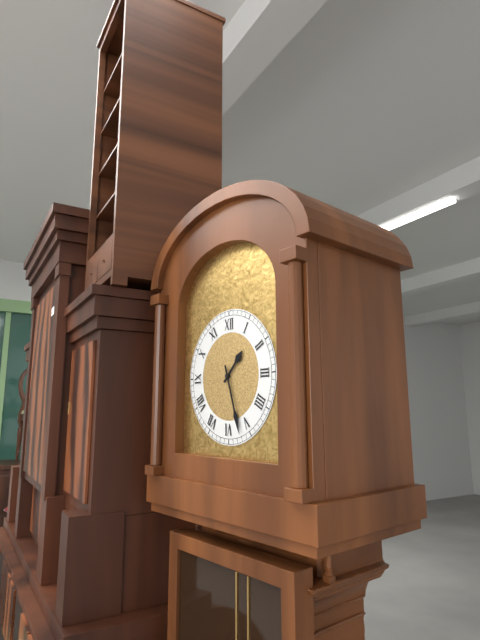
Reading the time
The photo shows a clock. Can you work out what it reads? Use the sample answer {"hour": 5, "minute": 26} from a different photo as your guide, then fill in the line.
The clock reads {"hour": 1, "minute": 27}
